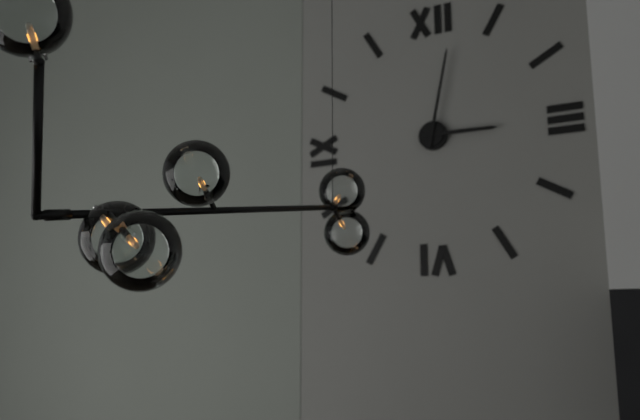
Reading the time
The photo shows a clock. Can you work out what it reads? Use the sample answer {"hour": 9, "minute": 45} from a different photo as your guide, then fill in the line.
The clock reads {"hour": 3, "minute": 2}
